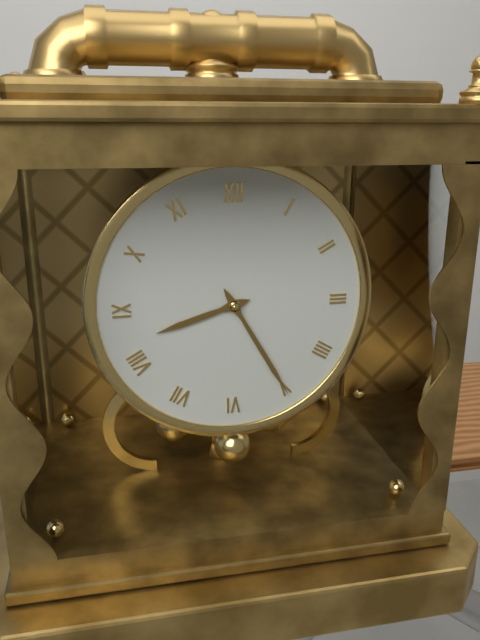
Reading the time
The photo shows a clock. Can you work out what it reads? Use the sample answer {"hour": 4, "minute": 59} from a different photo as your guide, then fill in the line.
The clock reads {"hour": 8, "minute": 25}
